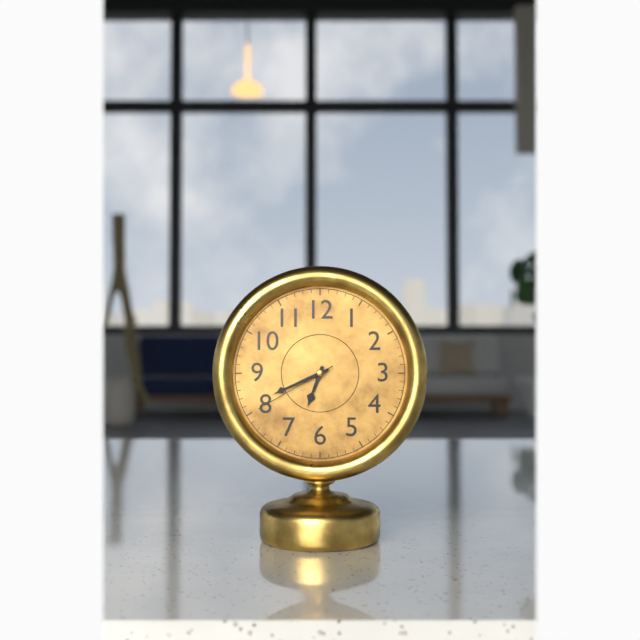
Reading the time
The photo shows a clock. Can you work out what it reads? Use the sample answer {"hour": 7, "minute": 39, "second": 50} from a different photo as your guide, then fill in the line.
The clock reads {"hour": 6, "minute": 41, "second": 40}
